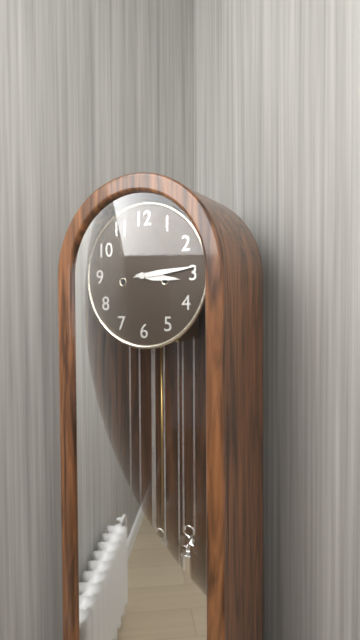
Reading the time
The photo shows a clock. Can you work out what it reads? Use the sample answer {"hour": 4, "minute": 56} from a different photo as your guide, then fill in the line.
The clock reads {"hour": 3, "minute": 14}
